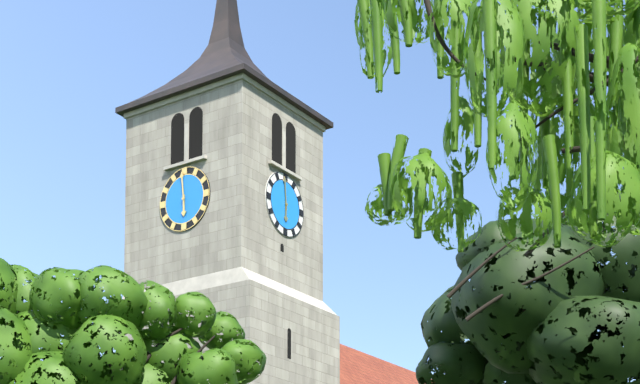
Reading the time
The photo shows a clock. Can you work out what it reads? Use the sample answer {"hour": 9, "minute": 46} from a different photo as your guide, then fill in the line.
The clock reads {"hour": 5, "minute": 59}
